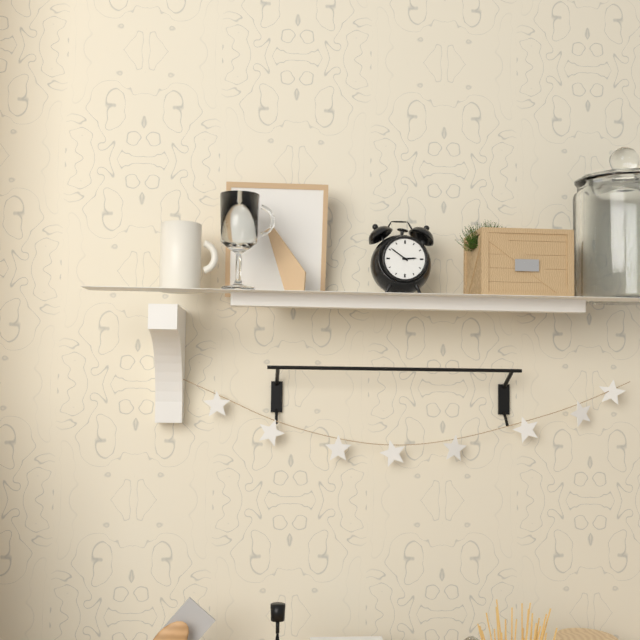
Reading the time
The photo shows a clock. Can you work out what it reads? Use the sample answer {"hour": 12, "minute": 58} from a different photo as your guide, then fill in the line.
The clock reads {"hour": 2, "minute": 51}
